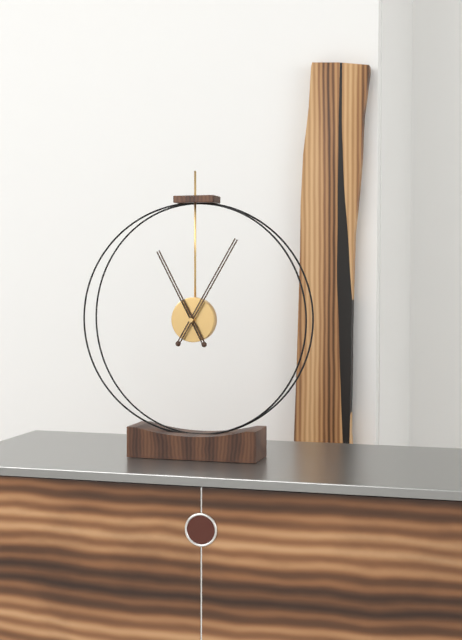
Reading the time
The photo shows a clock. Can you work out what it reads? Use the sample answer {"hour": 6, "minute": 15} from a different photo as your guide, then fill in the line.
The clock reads {"hour": 11, "minute": 5}
